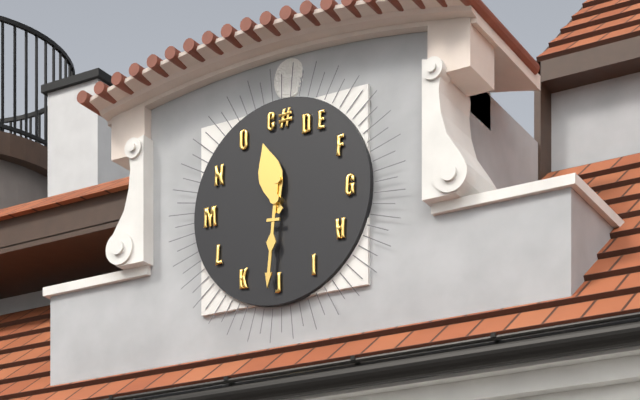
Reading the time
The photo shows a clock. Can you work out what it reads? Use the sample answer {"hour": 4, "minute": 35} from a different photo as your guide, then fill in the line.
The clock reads {"hour": 11, "minute": 31}
